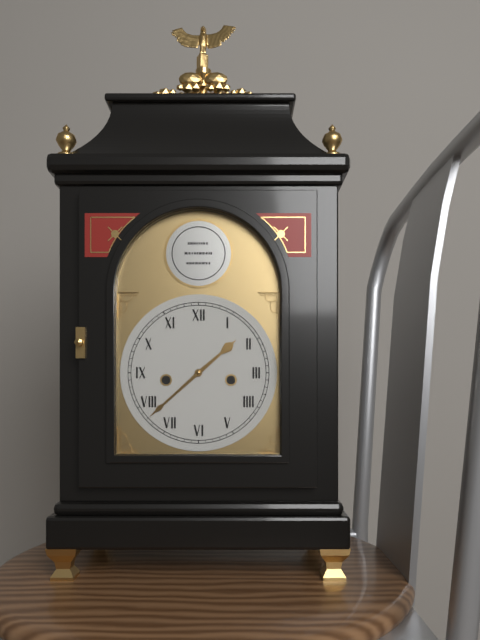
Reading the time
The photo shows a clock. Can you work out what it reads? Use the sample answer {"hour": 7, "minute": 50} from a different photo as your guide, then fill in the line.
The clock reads {"hour": 1, "minute": 38}
